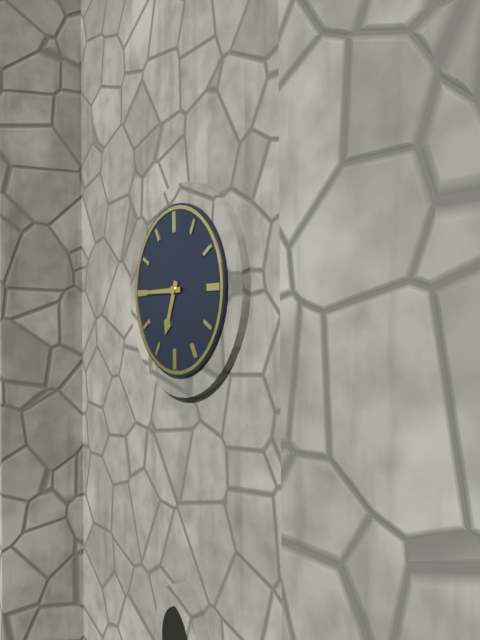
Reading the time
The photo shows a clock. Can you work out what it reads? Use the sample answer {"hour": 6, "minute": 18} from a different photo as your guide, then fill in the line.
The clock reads {"hour": 6, "minute": 45}
